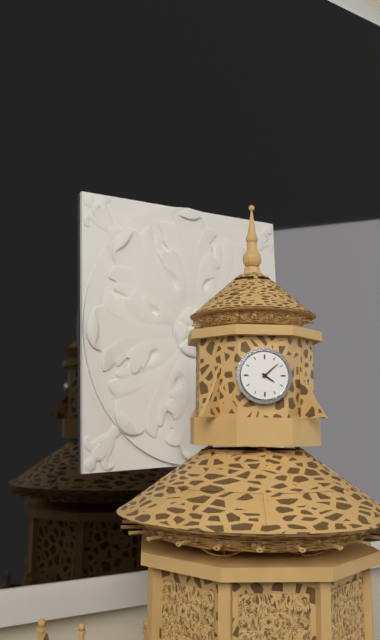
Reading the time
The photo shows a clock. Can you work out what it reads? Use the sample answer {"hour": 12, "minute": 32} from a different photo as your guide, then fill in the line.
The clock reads {"hour": 4, "minute": 8}
